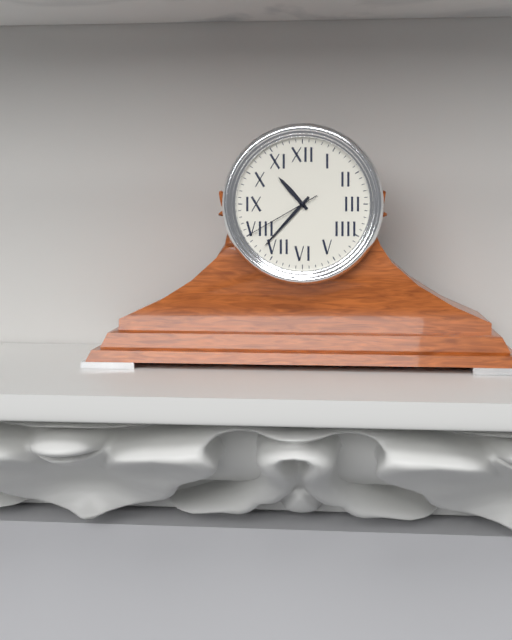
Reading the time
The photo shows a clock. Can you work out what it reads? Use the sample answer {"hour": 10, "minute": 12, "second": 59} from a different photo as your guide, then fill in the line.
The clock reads {"hour": 10, "minute": 37, "second": 40}
